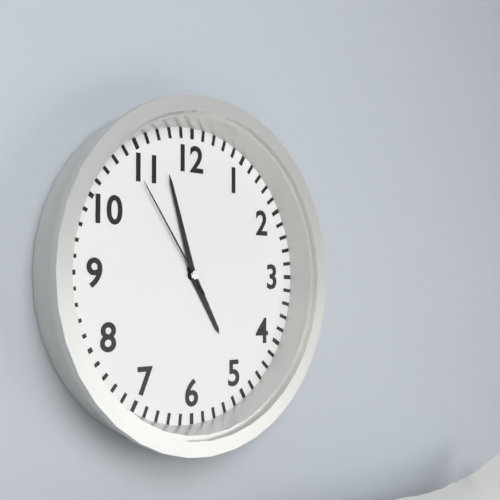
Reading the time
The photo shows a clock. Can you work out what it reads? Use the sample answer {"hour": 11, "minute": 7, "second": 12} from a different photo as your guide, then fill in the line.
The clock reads {"hour": 4, "minute": 57, "second": 54}
